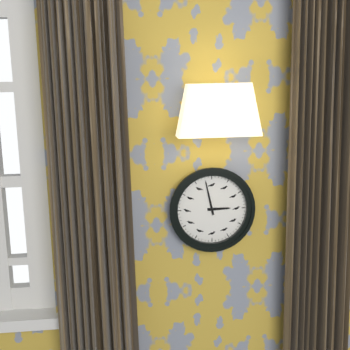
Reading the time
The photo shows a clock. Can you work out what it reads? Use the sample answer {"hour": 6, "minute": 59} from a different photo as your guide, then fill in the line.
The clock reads {"hour": 2, "minute": 58}
